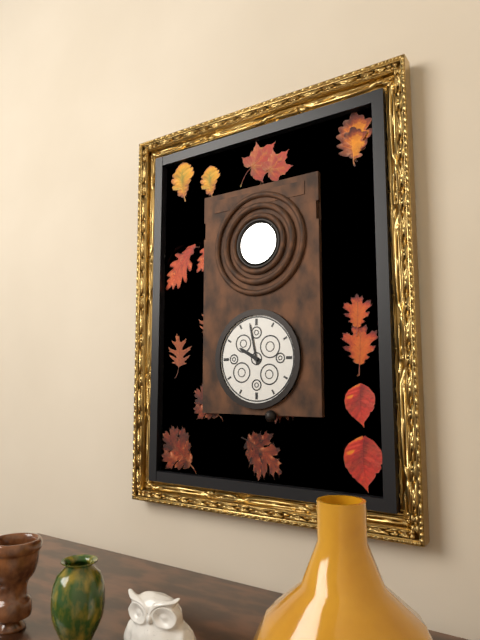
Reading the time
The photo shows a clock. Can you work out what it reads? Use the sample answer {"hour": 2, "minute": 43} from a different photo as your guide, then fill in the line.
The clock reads {"hour": 9, "minute": 58}
